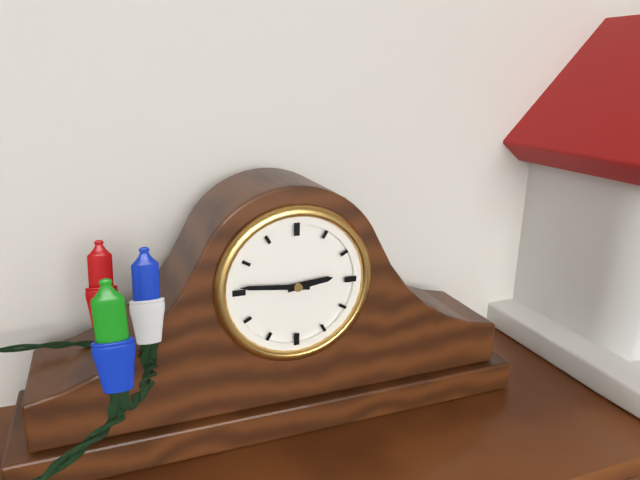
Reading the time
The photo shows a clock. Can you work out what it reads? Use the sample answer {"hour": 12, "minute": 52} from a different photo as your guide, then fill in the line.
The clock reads {"hour": 2, "minute": 46}
